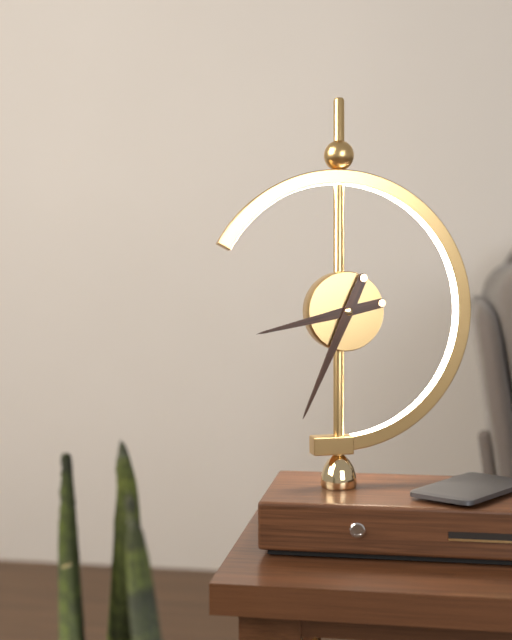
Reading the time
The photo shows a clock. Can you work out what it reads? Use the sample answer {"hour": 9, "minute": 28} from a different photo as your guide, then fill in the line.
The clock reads {"hour": 8, "minute": 34}
